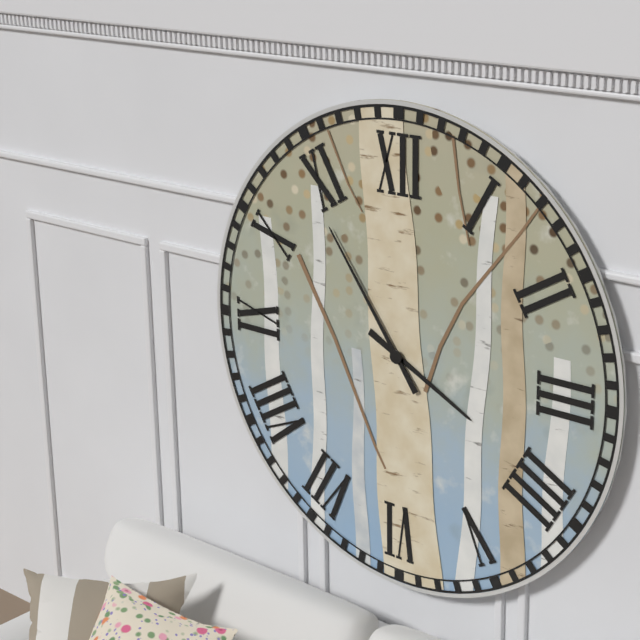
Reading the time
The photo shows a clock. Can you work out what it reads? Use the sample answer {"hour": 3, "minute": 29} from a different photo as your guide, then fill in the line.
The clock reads {"hour": 3, "minute": 54}
